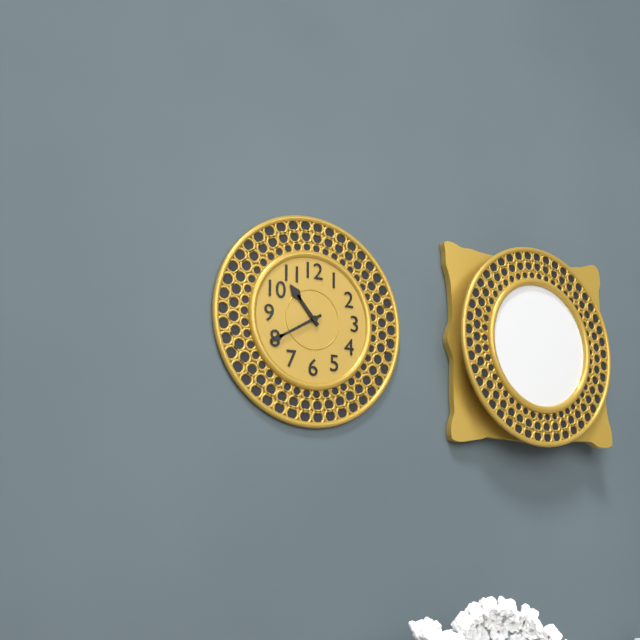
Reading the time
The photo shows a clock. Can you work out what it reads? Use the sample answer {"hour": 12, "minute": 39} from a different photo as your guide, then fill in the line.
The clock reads {"hour": 10, "minute": 40}
